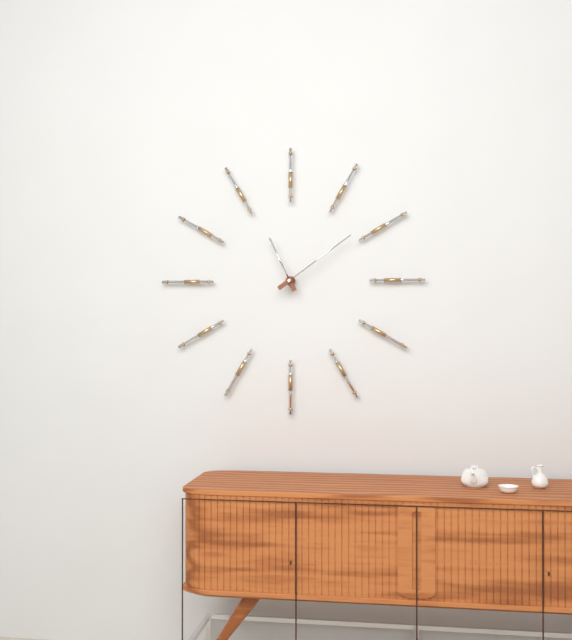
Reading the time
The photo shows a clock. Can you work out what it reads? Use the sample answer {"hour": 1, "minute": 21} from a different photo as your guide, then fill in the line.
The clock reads {"hour": 11, "minute": 9}
